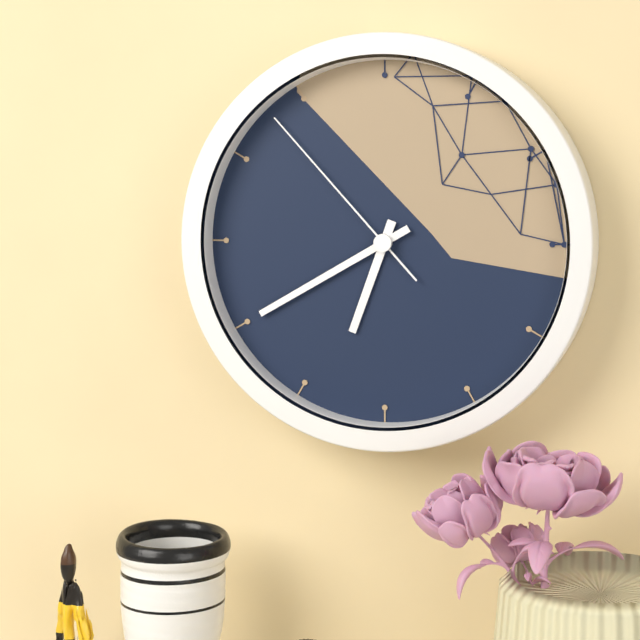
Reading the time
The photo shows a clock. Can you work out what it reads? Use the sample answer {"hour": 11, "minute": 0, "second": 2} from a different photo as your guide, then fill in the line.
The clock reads {"hour": 6, "minute": 40, "second": 53}
